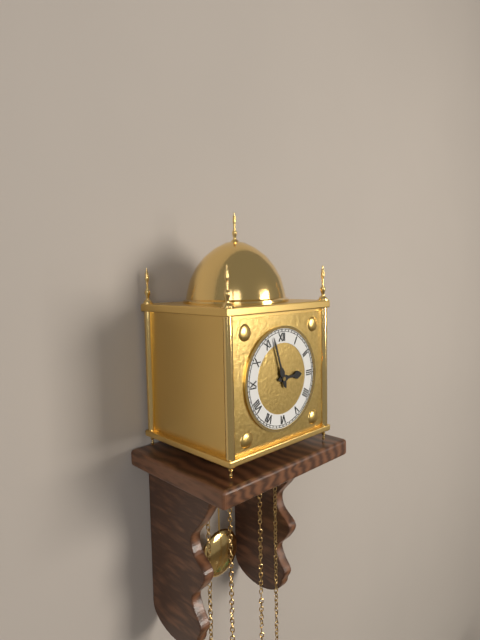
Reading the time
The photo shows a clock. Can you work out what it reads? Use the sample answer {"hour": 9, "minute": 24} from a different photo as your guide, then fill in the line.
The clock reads {"hour": 2, "minute": 57}
